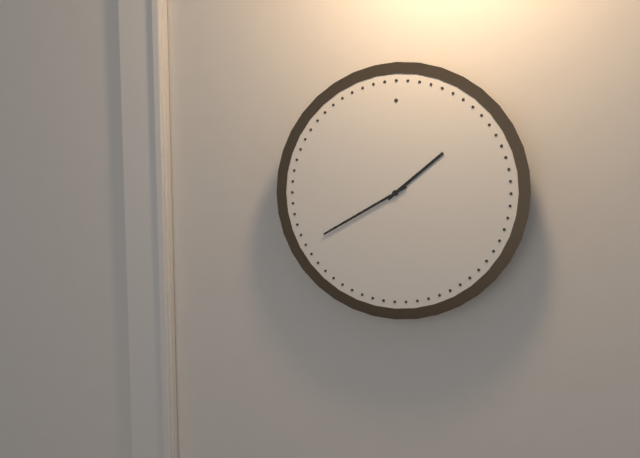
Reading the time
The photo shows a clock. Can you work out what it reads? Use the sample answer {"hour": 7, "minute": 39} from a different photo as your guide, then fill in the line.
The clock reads {"hour": 1, "minute": 40}
